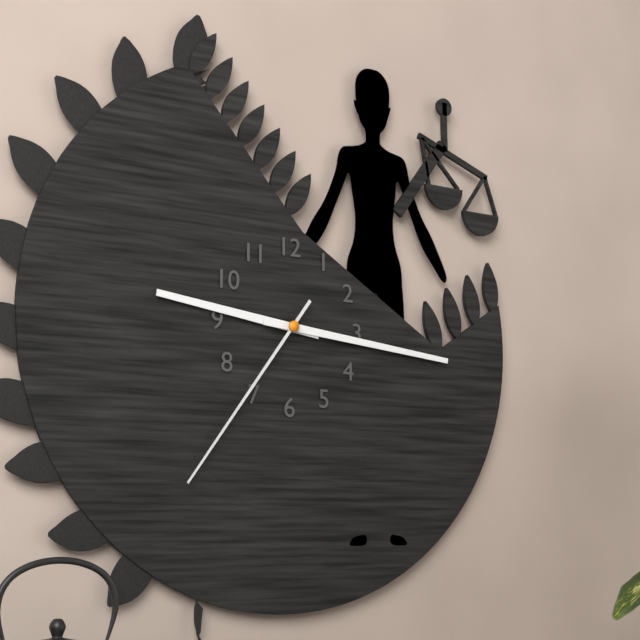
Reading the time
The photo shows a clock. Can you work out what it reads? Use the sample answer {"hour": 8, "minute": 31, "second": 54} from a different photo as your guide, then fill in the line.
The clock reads {"hour": 9, "minute": 16, "second": 36}
